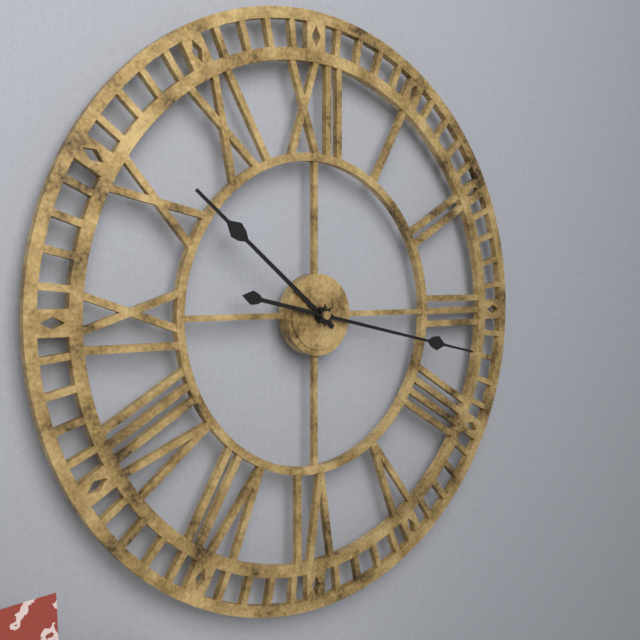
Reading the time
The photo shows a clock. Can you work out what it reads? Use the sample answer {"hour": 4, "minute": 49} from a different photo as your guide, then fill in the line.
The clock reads {"hour": 10, "minute": 17}
